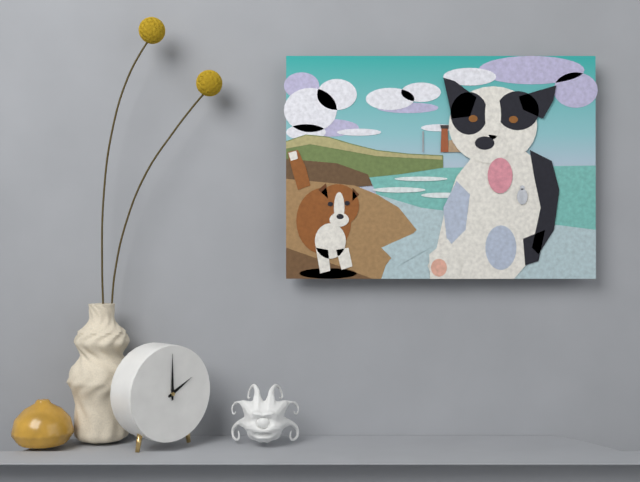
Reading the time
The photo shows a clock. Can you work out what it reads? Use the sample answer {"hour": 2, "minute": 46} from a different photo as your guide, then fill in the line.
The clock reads {"hour": 2, "minute": 0}
